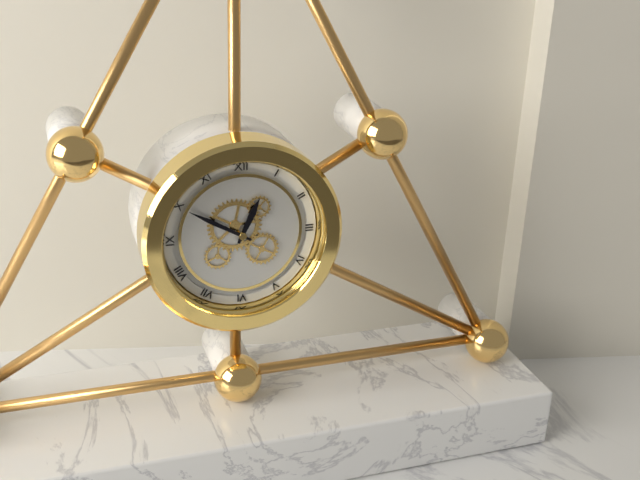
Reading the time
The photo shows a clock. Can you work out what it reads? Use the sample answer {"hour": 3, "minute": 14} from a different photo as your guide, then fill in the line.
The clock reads {"hour": 12, "minute": 50}
